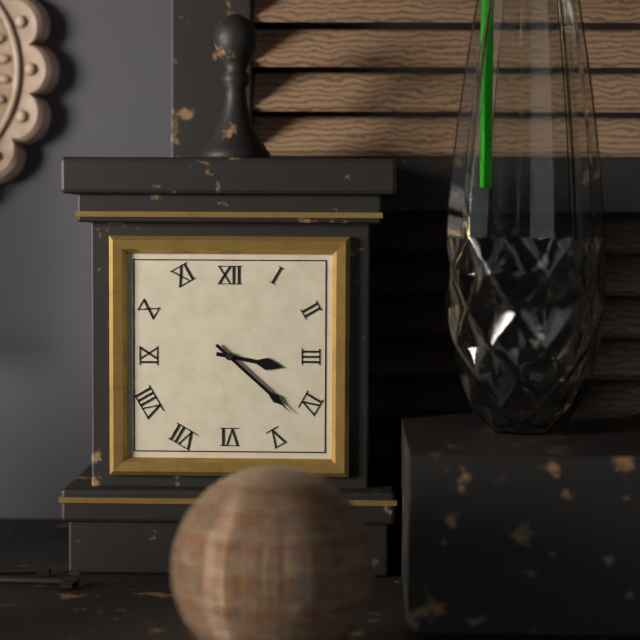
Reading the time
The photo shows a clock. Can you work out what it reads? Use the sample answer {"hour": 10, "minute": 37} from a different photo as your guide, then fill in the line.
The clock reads {"hour": 3, "minute": 22}
